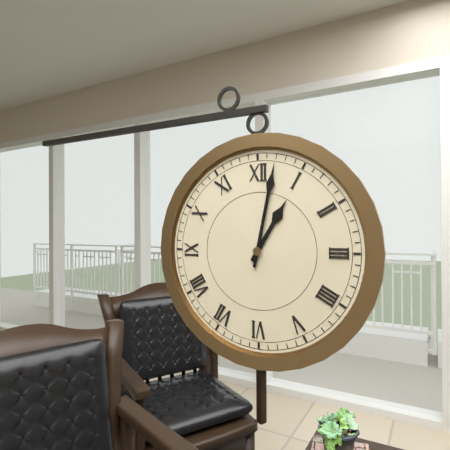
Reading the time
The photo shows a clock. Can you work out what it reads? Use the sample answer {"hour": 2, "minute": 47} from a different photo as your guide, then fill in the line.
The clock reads {"hour": 1, "minute": 2}
